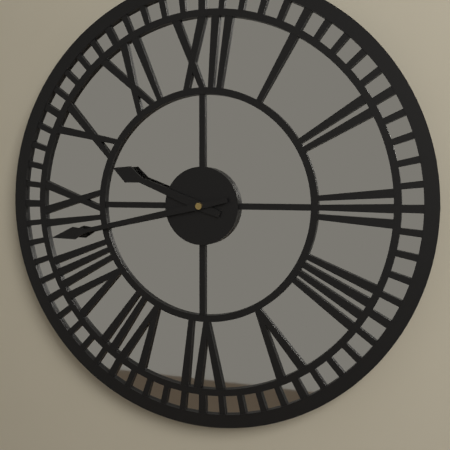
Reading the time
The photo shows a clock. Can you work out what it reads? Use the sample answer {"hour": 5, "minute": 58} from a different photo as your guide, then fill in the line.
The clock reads {"hour": 9, "minute": 43}
